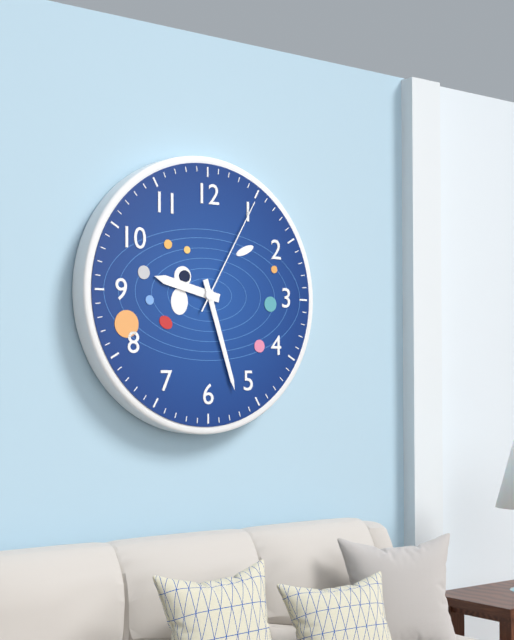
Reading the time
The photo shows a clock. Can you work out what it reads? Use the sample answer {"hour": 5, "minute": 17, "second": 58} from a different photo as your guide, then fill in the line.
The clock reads {"hour": 9, "minute": 27, "second": 5}
